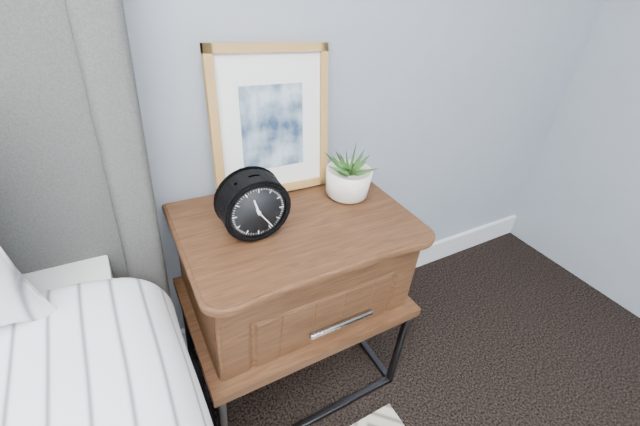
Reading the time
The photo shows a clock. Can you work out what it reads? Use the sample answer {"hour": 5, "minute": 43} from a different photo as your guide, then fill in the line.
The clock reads {"hour": 11, "minute": 24}
